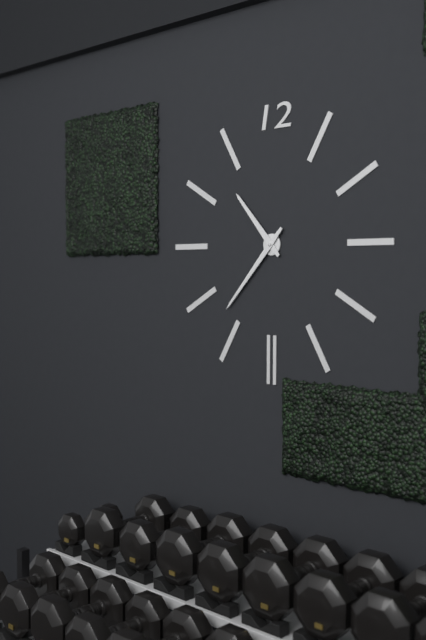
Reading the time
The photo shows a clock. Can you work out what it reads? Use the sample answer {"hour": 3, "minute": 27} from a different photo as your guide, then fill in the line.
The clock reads {"hour": 10, "minute": 37}
